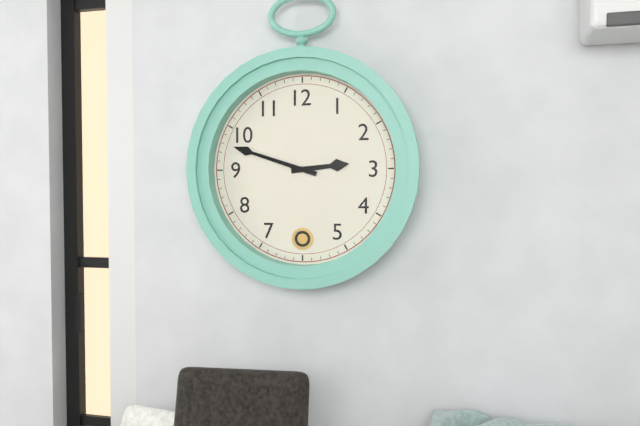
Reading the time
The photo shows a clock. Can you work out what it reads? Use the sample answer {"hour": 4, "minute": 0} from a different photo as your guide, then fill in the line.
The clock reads {"hour": 2, "minute": 48}
